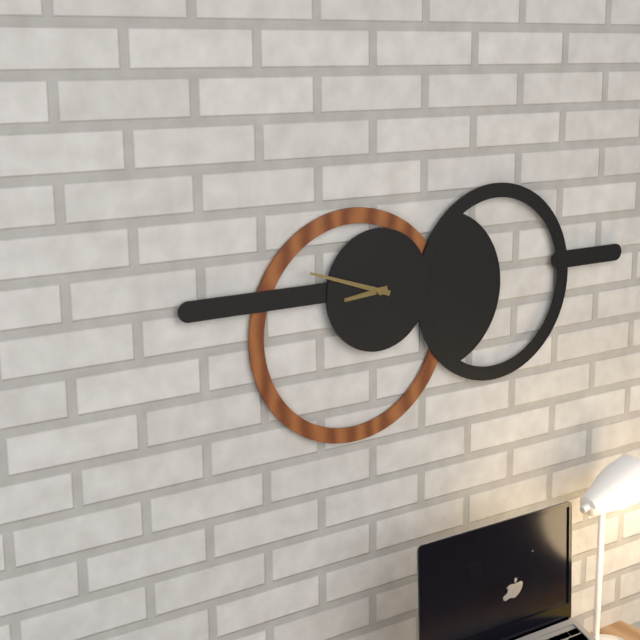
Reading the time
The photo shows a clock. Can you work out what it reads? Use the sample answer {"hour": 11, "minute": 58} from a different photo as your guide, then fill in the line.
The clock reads {"hour": 8, "minute": 48}
